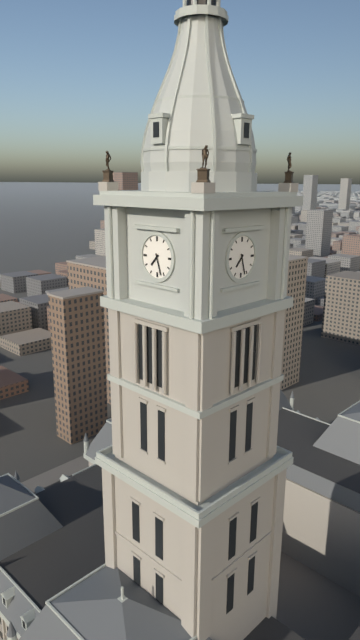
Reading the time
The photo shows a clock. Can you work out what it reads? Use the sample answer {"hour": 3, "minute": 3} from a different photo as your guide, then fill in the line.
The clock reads {"hour": 7, "minute": 27}
